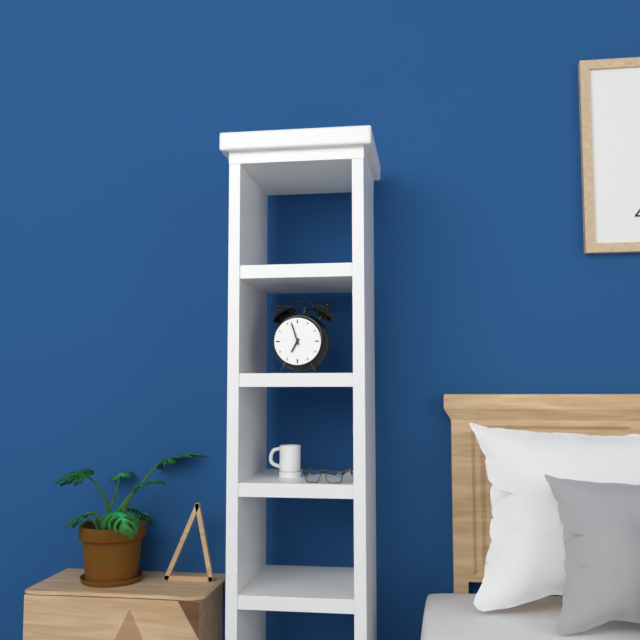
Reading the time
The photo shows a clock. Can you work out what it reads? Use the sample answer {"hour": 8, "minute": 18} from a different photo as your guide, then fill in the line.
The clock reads {"hour": 6, "minute": 57}
